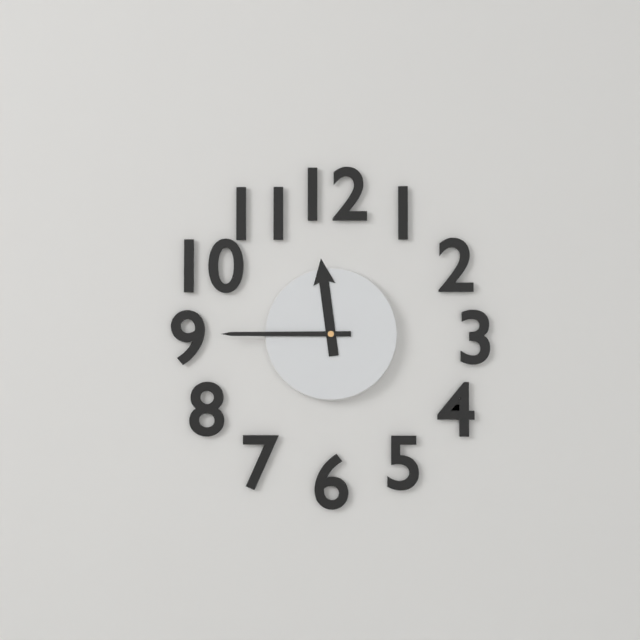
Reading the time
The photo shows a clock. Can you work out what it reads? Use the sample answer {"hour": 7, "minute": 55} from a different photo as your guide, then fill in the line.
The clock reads {"hour": 11, "minute": 45}
